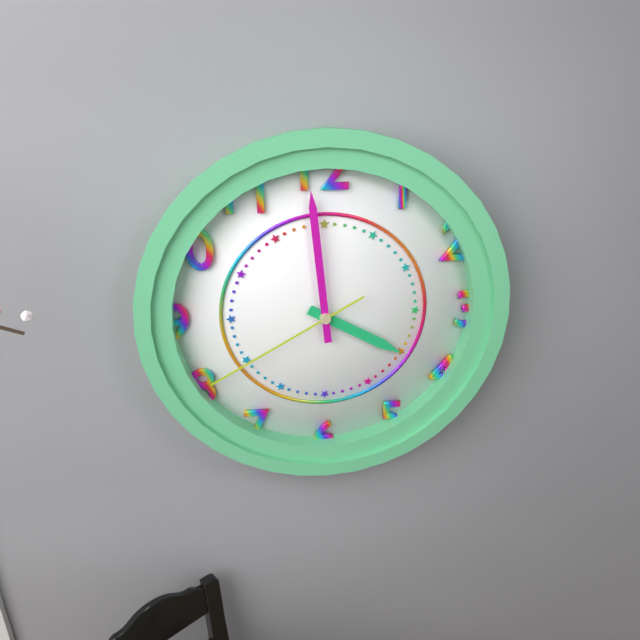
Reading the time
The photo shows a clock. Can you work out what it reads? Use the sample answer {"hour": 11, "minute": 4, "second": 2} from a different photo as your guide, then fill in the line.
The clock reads {"hour": 3, "minute": 59, "second": 40}
